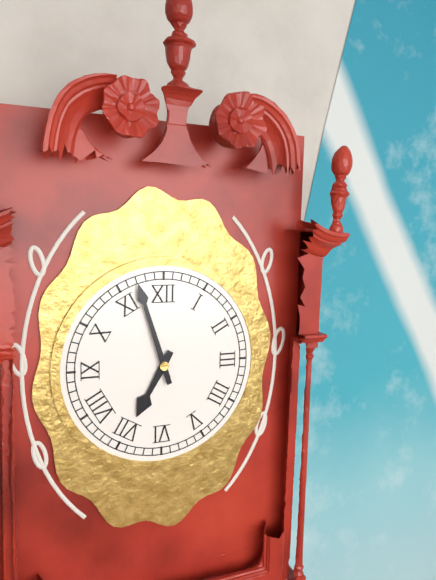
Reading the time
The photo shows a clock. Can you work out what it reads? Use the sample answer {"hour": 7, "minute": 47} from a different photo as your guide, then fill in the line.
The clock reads {"hour": 6, "minute": 57}
